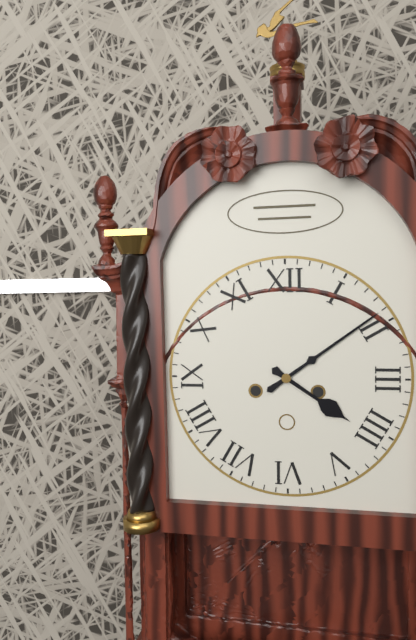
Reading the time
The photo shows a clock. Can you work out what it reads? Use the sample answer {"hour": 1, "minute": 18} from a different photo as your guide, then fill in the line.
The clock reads {"hour": 4, "minute": 9}
